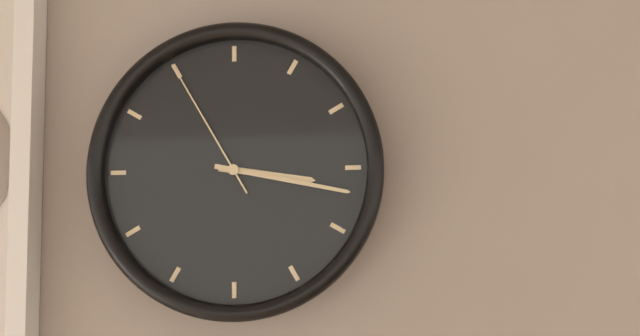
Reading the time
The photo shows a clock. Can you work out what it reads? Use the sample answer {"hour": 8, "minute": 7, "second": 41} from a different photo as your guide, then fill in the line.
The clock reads {"hour": 3, "minute": 17, "second": 55}
